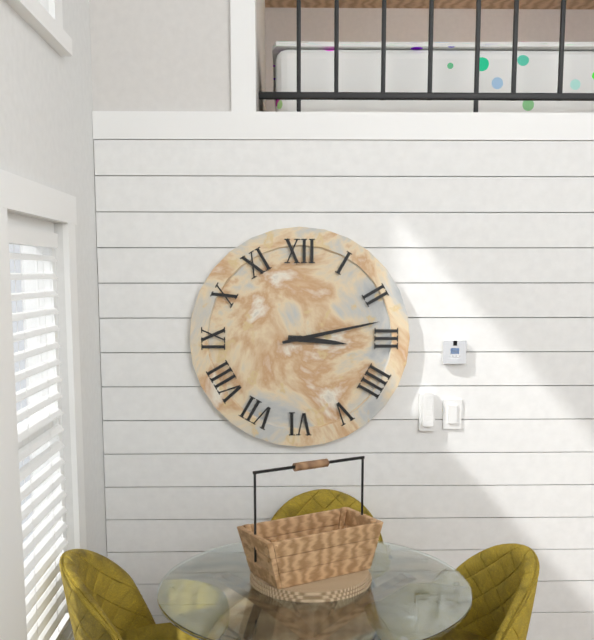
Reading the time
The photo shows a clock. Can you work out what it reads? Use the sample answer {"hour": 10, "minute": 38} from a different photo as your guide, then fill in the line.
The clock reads {"hour": 3, "minute": 13}
